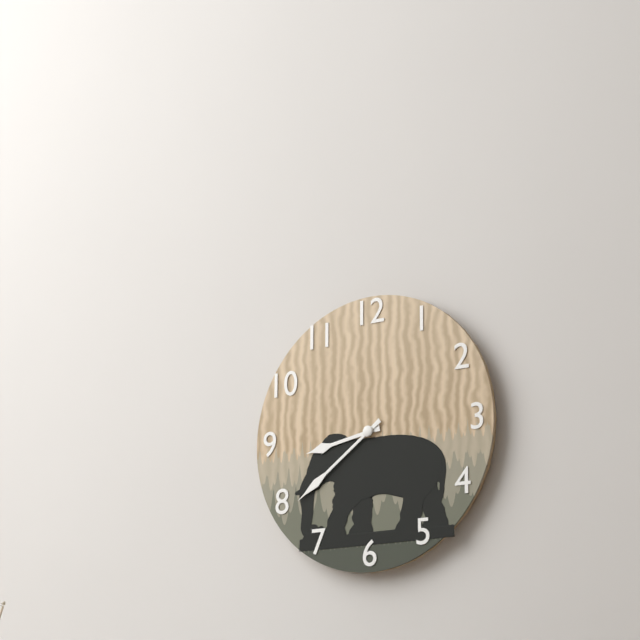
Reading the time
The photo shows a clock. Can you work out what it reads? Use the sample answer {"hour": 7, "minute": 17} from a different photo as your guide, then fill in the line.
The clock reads {"hour": 8, "minute": 39}
